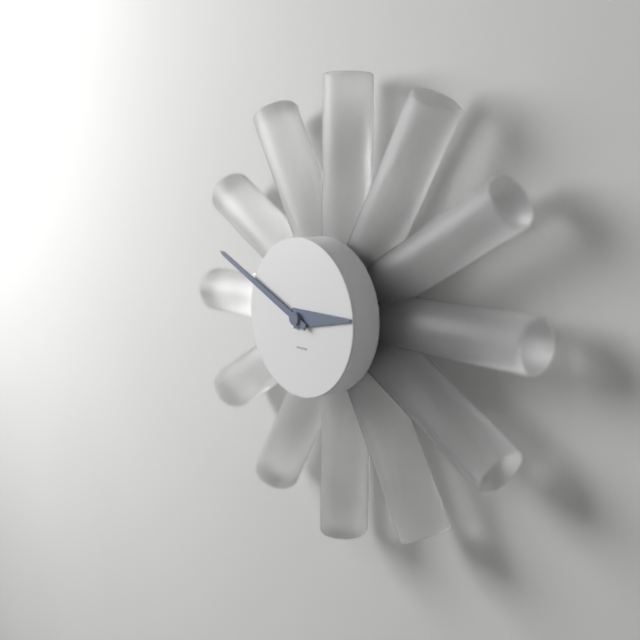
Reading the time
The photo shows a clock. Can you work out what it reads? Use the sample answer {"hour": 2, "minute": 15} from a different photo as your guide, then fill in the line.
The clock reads {"hour": 2, "minute": 49}
